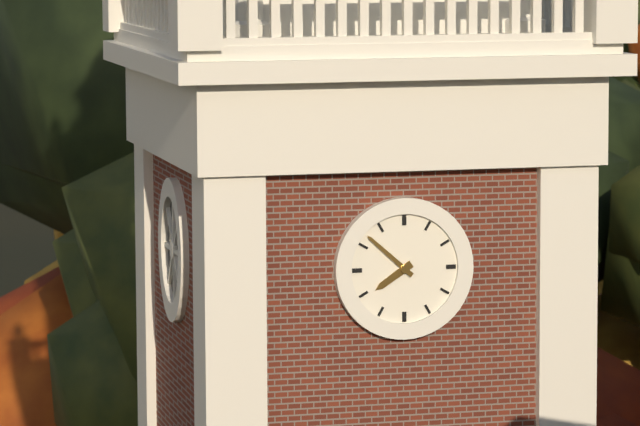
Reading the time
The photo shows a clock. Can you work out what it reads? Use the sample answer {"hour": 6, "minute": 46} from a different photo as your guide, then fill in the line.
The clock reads {"hour": 7, "minute": 52}
